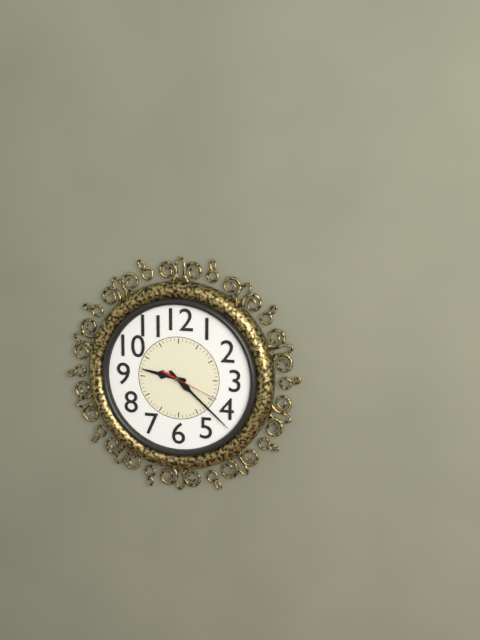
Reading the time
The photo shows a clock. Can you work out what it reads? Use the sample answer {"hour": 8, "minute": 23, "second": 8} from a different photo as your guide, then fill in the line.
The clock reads {"hour": 9, "minute": 22, "second": 19}
